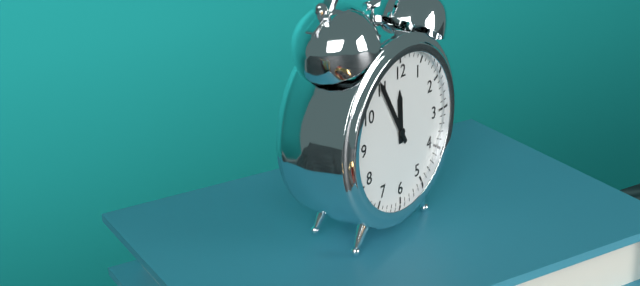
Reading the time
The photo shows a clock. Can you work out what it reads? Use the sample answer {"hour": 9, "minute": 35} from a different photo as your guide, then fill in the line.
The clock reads {"hour": 11, "minute": 55}
